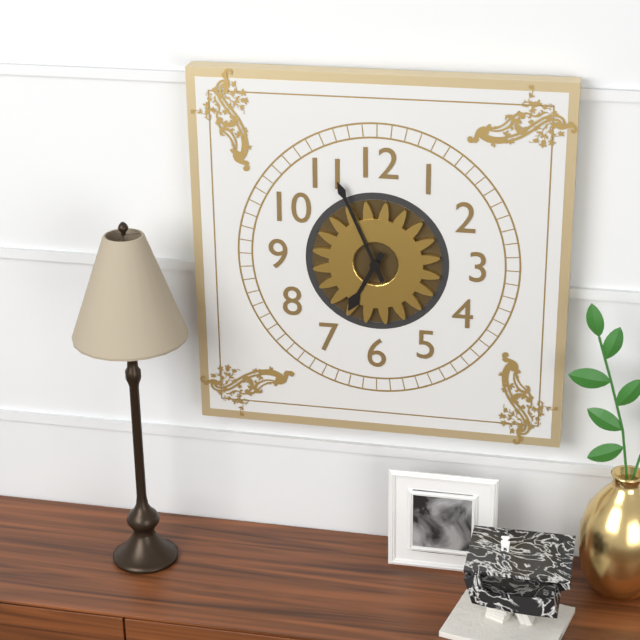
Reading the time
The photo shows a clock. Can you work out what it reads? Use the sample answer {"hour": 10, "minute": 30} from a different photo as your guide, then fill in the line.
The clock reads {"hour": 6, "minute": 56}
